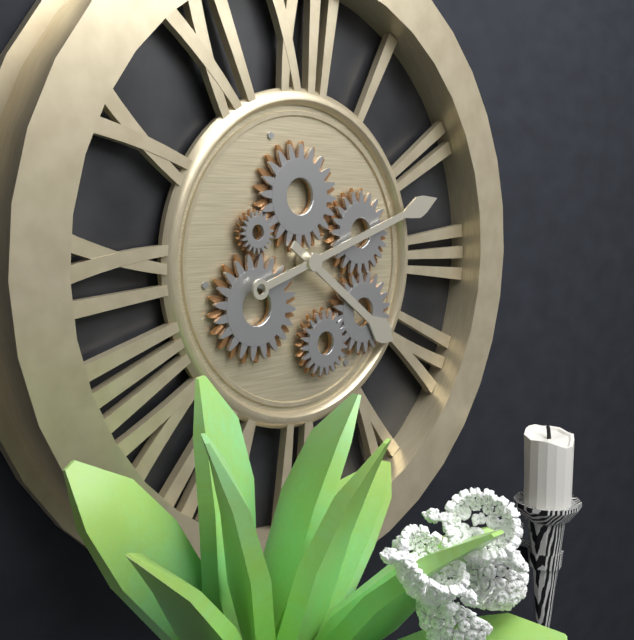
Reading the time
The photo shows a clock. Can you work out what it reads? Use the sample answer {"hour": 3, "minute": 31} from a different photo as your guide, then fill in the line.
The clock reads {"hour": 4, "minute": 12}
